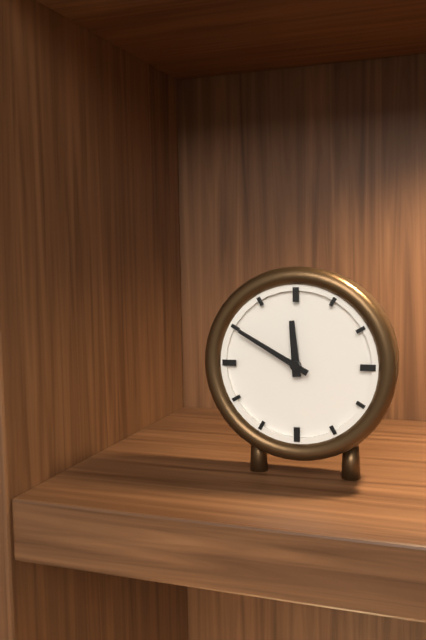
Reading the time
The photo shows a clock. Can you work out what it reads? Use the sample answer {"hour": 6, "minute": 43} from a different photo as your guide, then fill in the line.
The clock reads {"hour": 11, "minute": 50}
